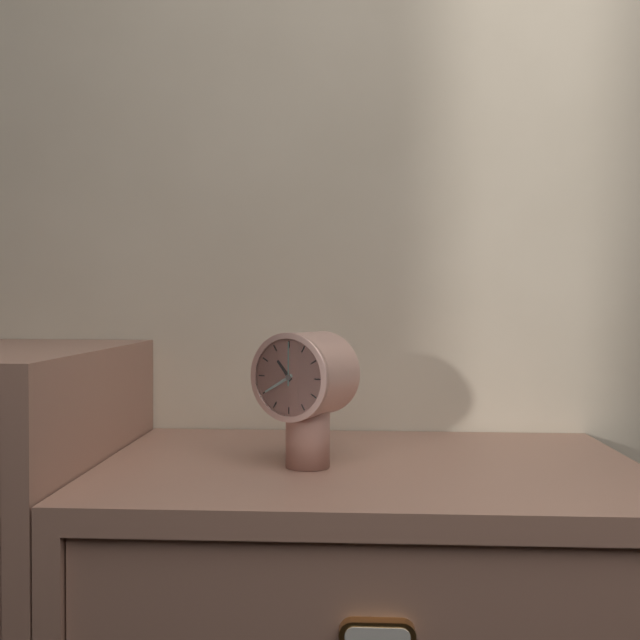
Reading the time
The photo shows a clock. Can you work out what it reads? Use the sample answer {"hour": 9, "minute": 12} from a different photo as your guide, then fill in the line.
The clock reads {"hour": 10, "minute": 40}
